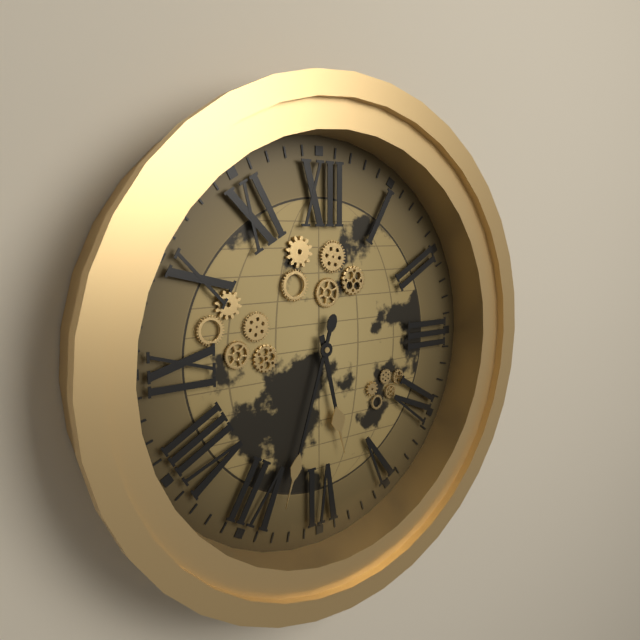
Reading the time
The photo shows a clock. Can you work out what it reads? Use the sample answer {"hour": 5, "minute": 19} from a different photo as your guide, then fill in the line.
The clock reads {"hour": 5, "minute": 33}
